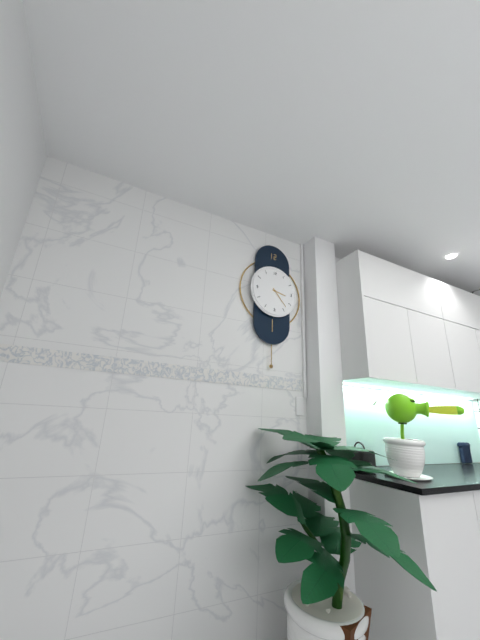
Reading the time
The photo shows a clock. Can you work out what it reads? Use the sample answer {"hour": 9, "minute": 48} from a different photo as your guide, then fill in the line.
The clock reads {"hour": 3, "minute": 23}
